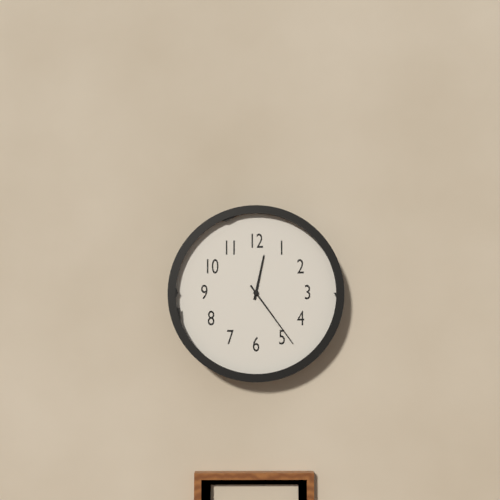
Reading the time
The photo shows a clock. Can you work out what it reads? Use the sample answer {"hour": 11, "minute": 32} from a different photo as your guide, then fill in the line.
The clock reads {"hour": 12, "minute": 24}
